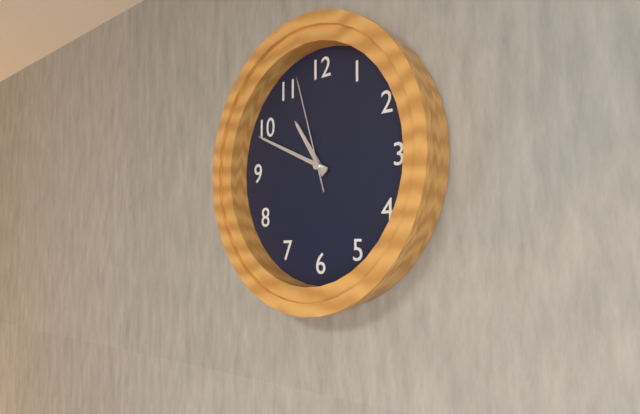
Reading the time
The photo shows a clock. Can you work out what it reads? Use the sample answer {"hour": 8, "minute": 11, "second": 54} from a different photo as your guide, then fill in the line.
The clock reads {"hour": 10, "minute": 49, "second": 57}
